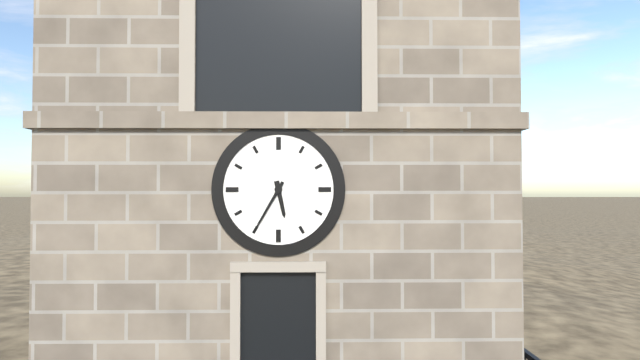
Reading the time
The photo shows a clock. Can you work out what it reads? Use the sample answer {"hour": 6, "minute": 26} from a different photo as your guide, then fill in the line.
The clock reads {"hour": 5, "minute": 35}
